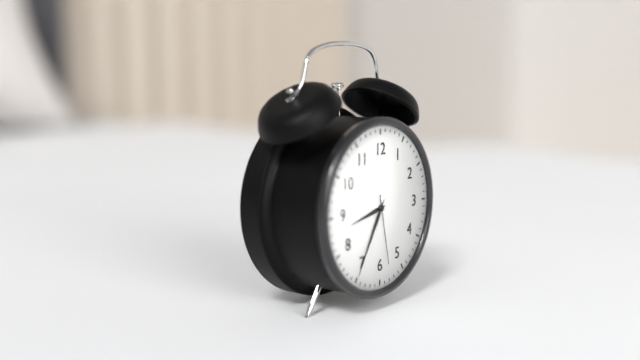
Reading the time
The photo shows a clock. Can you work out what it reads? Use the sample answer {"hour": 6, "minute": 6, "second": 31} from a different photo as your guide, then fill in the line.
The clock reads {"hour": 8, "minute": 35, "second": 28}
